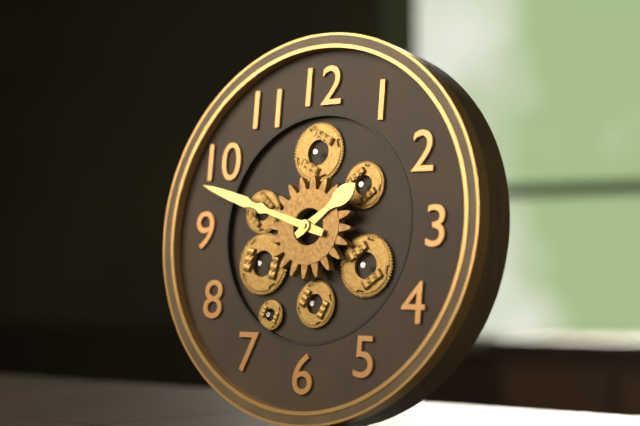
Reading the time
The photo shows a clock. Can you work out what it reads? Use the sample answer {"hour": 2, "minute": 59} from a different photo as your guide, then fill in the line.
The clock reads {"hour": 1, "minute": 48}
